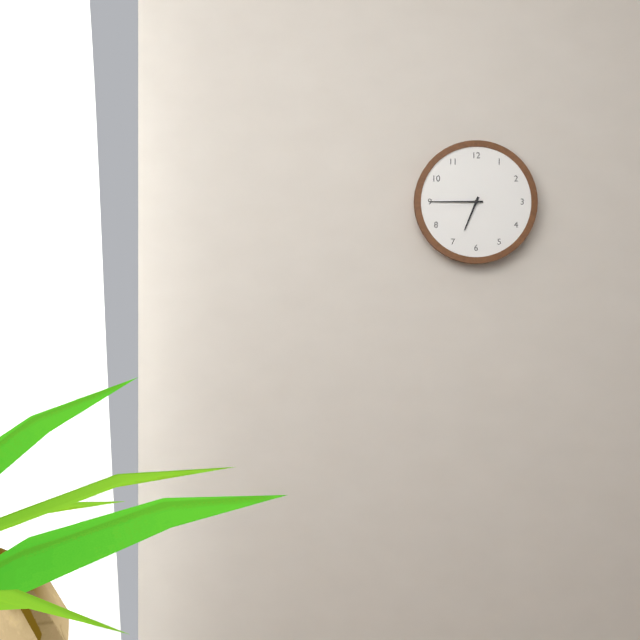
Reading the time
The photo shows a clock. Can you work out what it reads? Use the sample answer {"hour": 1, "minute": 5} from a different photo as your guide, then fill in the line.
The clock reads {"hour": 6, "minute": 45}
